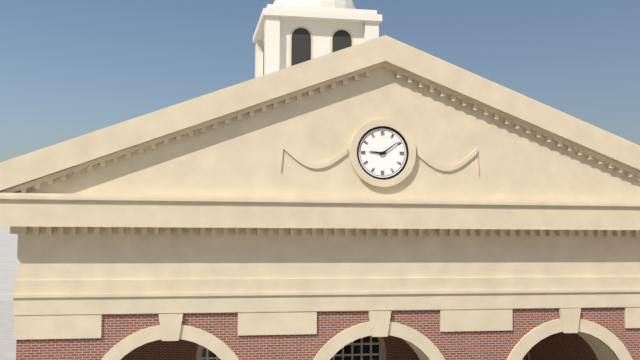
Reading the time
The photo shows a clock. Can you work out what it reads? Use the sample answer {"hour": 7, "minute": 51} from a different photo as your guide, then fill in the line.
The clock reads {"hour": 9, "minute": 9}
